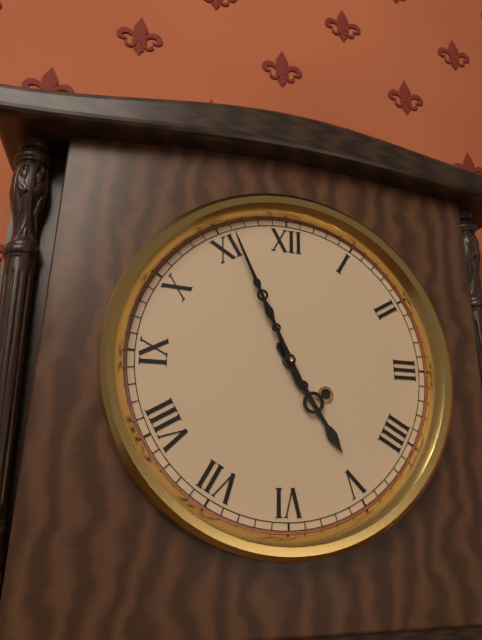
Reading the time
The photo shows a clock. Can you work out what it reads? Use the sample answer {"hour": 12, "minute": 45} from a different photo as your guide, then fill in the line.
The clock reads {"hour": 4, "minute": 56}
